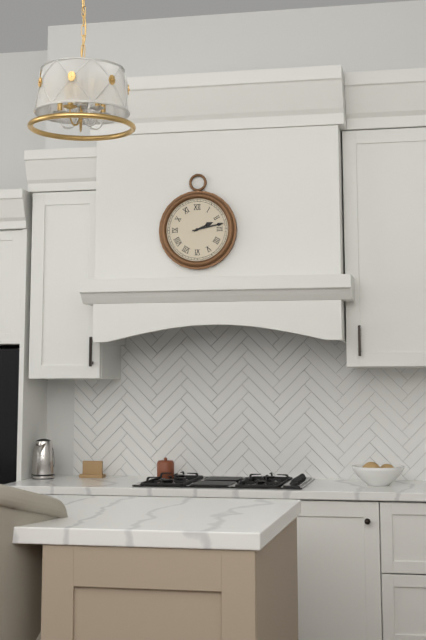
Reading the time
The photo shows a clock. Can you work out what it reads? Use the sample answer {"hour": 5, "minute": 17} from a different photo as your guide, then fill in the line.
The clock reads {"hour": 2, "minute": 13}
